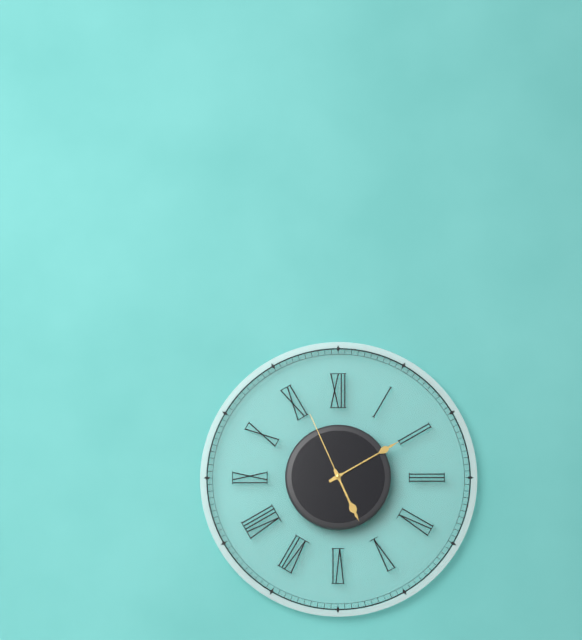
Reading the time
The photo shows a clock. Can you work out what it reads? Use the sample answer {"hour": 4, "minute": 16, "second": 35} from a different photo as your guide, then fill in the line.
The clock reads {"hour": 5, "minute": 10, "second": 56}
